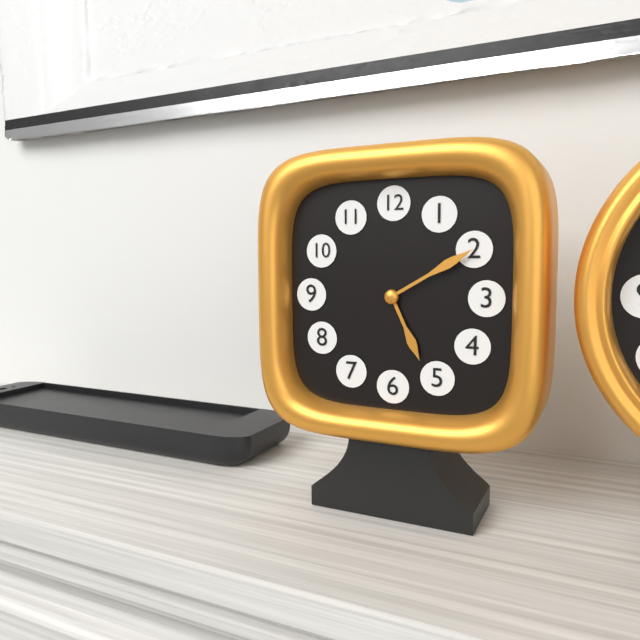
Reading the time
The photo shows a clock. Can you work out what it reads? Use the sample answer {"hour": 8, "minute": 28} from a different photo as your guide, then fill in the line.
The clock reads {"hour": 5, "minute": 10}
